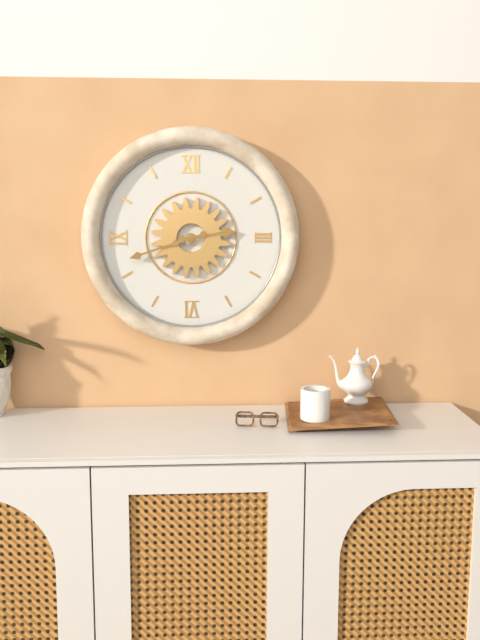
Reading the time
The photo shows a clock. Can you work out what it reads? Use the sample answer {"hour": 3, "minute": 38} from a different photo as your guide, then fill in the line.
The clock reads {"hour": 2, "minute": 42}
